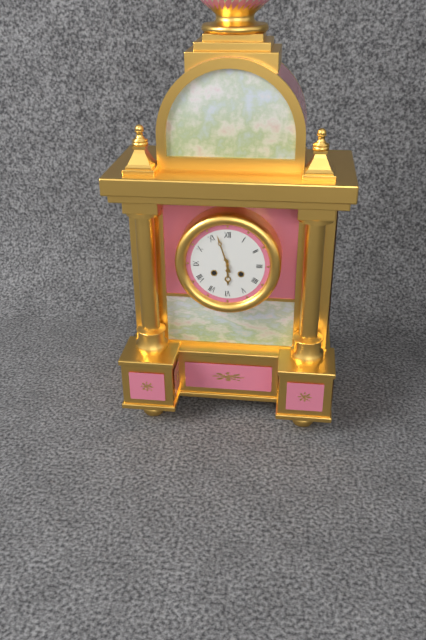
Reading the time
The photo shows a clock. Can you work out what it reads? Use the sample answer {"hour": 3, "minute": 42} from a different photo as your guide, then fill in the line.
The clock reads {"hour": 5, "minute": 57}
